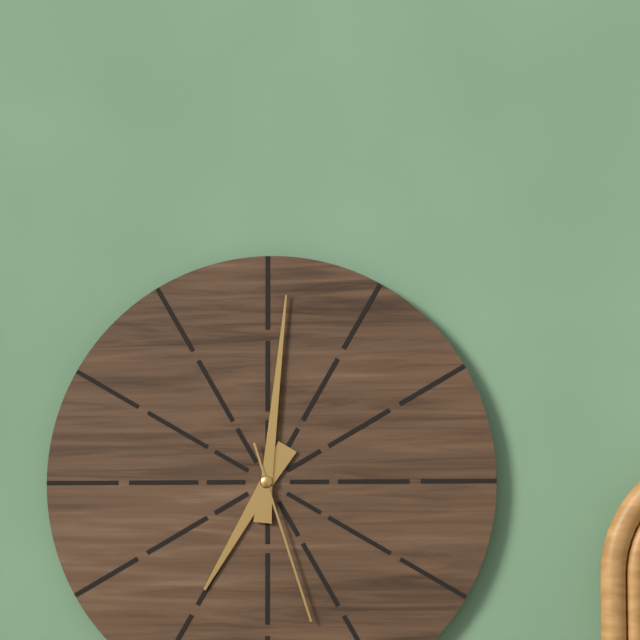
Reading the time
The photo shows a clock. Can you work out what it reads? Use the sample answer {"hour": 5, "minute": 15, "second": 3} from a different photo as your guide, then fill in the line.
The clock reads {"hour": 7, "minute": 1, "second": 27}
